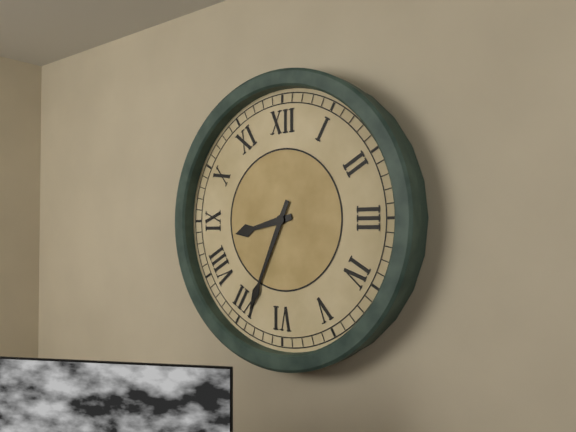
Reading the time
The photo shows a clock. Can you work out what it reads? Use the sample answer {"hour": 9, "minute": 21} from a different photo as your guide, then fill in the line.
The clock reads {"hour": 8, "minute": 34}
